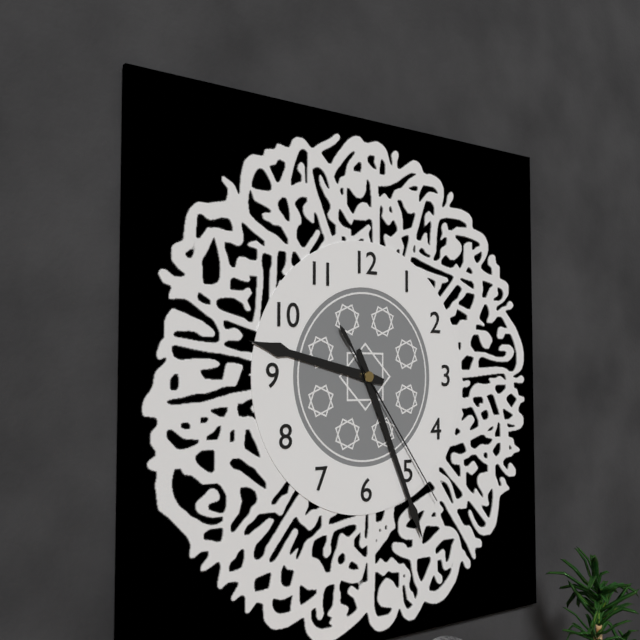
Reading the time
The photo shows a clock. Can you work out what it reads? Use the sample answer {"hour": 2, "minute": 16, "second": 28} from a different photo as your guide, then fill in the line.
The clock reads {"hour": 9, "minute": 26, "second": 24}
